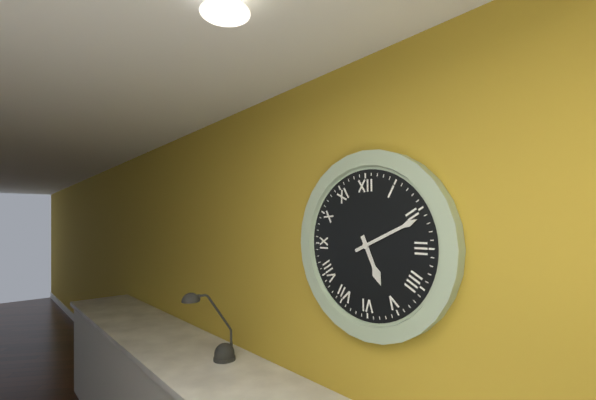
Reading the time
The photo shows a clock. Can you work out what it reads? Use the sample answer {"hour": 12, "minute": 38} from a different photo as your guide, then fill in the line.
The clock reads {"hour": 5, "minute": 11}
